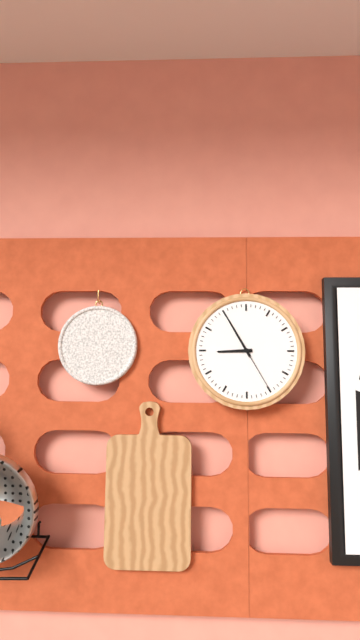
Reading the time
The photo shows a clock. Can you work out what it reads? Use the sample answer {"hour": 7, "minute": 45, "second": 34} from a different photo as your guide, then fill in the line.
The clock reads {"hour": 8, "minute": 55, "second": 25}
